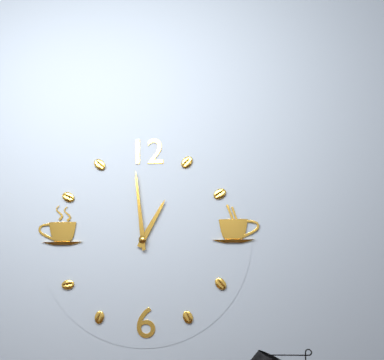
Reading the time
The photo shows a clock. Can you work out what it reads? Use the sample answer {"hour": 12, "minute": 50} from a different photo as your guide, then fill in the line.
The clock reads {"hour": 12, "minute": 59}
